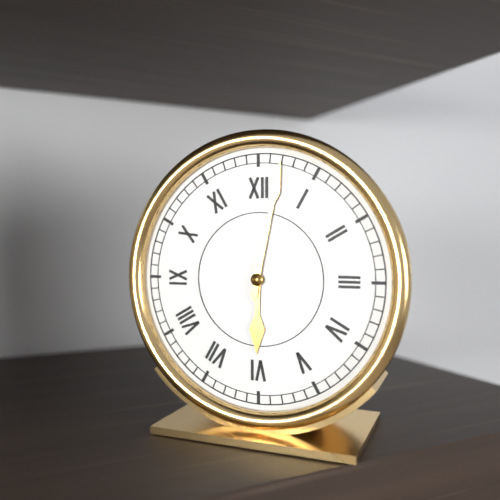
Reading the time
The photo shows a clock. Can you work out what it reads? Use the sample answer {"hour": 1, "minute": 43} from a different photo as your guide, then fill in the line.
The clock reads {"hour": 6, "minute": 2}
